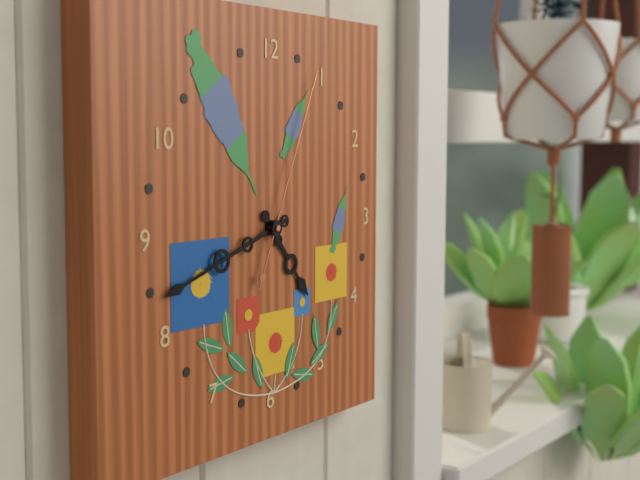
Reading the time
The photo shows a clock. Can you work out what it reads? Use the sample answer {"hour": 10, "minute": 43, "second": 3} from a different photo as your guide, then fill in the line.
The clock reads {"hour": 4, "minute": 42, "second": 4}
